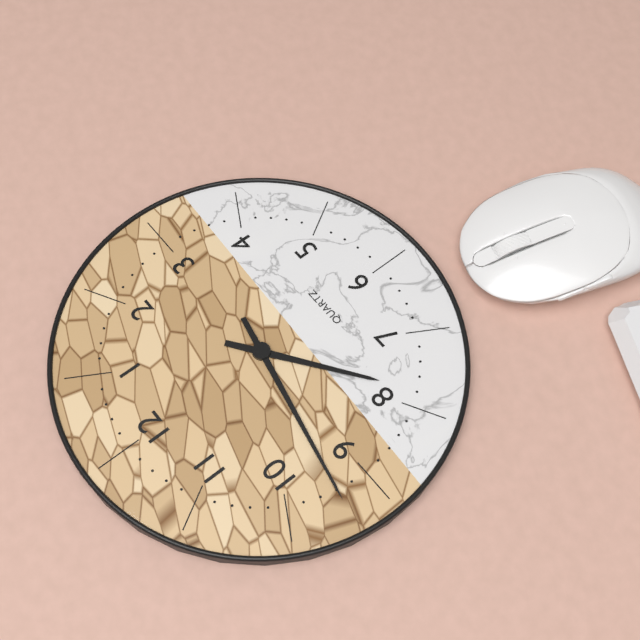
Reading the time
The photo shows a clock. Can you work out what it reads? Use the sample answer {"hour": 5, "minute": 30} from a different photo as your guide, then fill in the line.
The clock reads {"hour": 7, "minute": 47}
